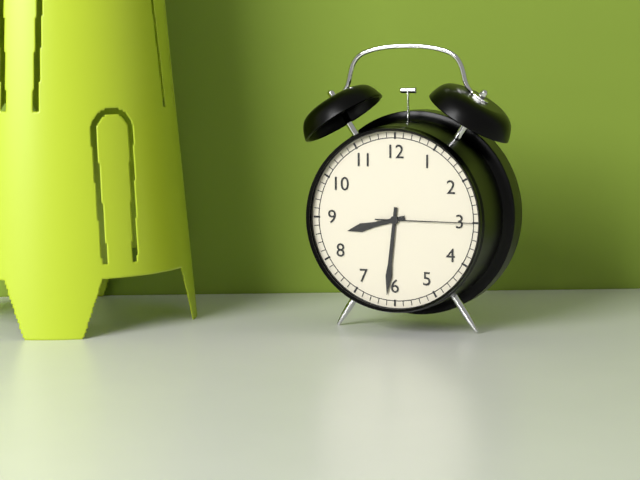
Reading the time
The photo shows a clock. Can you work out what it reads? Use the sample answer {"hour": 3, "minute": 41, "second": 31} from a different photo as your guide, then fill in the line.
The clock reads {"hour": 8, "minute": 31, "second": 15}
